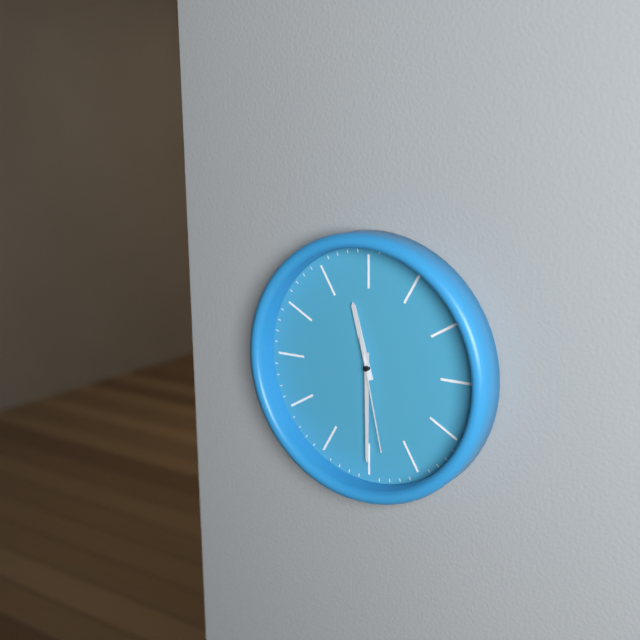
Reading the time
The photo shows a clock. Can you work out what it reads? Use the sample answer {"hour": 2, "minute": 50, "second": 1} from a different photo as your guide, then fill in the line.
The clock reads {"hour": 11, "minute": 30, "second": 28}
